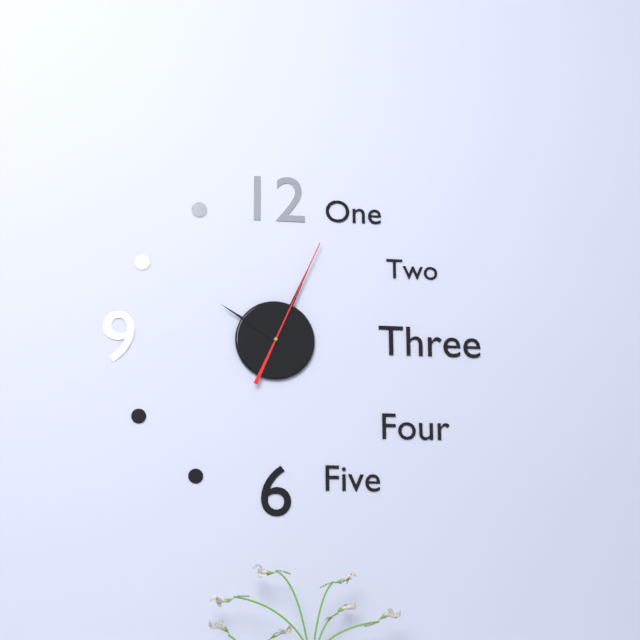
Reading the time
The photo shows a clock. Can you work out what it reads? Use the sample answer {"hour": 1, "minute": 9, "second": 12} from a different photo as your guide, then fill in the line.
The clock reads {"hour": 10, "minute": 4, "second": 4}
